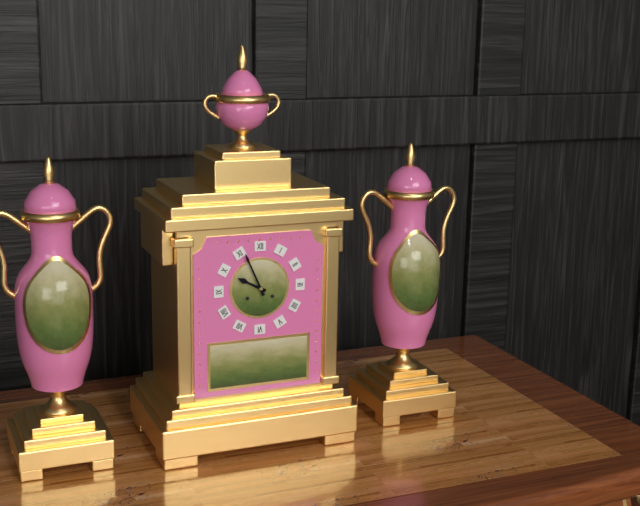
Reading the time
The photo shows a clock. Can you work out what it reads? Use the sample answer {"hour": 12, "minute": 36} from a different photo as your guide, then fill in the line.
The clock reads {"hour": 9, "minute": 56}
